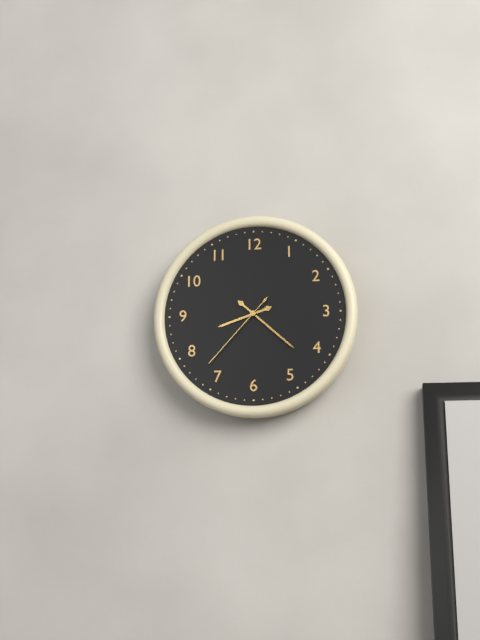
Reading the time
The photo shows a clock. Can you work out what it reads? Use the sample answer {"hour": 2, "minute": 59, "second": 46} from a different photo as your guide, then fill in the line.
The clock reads {"hour": 8, "minute": 22, "second": 37}
